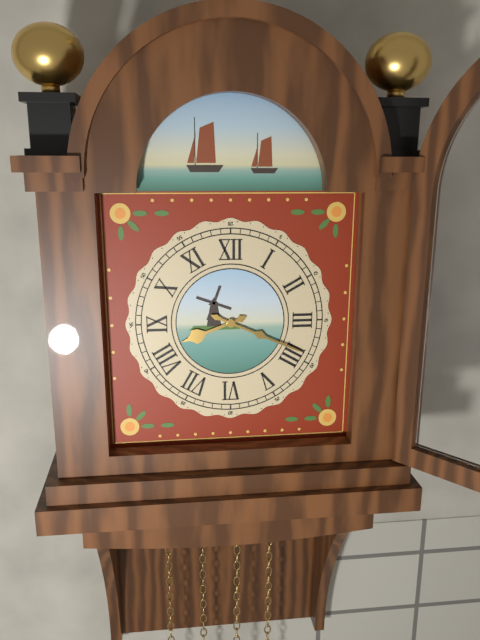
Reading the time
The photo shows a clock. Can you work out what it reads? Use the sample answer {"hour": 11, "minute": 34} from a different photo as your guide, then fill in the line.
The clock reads {"hour": 8, "minute": 19}
